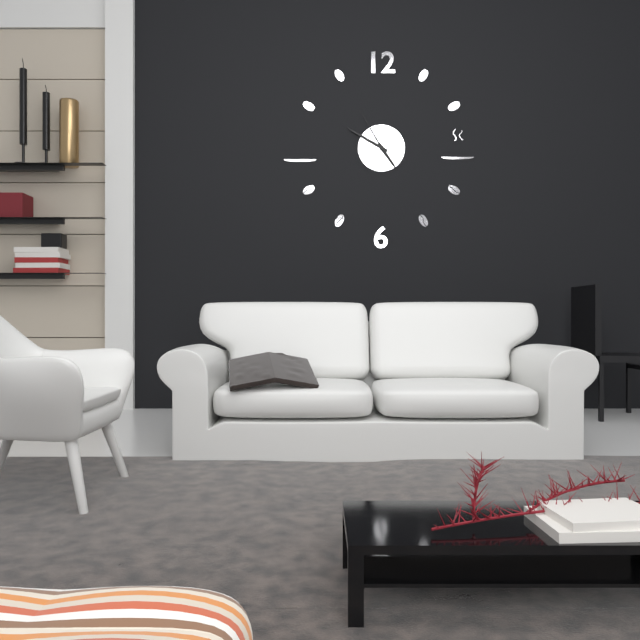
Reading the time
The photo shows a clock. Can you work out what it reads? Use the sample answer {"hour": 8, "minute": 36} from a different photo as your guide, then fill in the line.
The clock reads {"hour": 4, "minute": 50}
